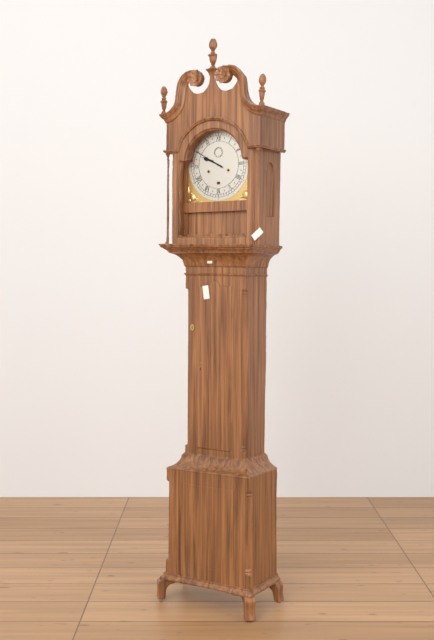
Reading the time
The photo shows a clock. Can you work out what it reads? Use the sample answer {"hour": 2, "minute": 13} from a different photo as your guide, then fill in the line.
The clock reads {"hour": 9, "minute": 50}
